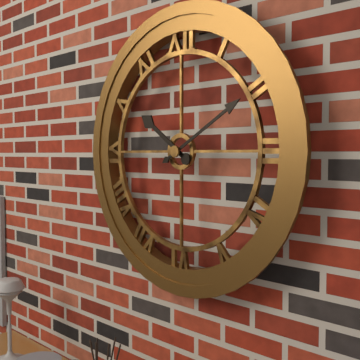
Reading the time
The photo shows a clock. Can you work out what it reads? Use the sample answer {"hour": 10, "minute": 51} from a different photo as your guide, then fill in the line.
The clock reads {"hour": 10, "minute": 10}
